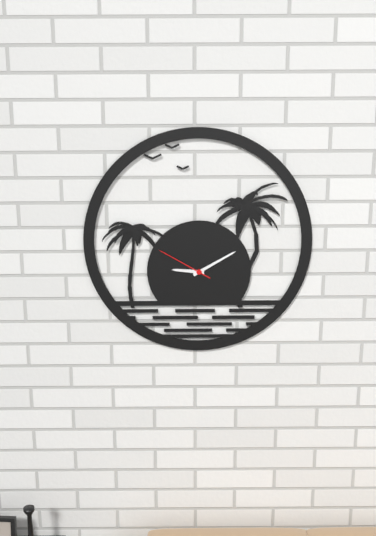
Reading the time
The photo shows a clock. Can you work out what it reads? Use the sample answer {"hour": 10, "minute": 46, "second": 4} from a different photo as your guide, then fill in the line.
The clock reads {"hour": 9, "minute": 10, "second": 50}
